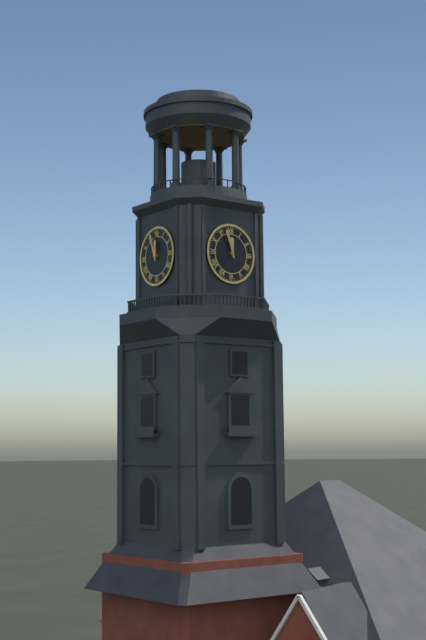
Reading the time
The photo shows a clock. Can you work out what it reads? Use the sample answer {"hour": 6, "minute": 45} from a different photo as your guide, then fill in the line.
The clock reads {"hour": 11, "minute": 57}
